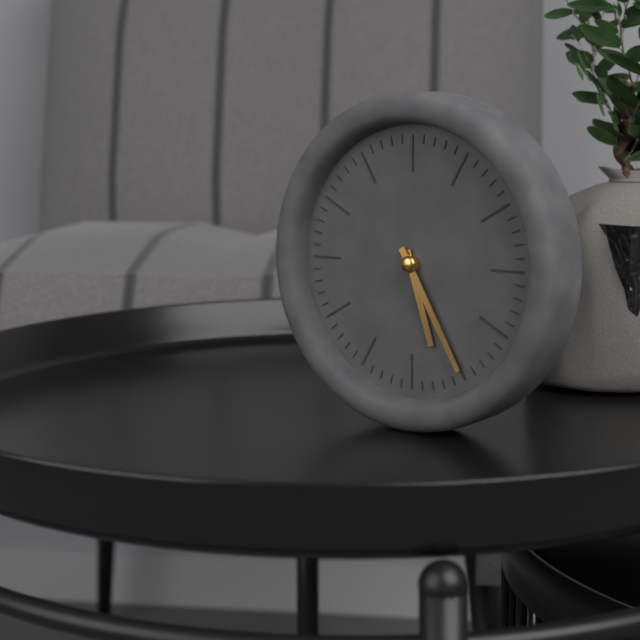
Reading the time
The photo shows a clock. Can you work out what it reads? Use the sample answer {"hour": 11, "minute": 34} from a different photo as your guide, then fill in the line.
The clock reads {"hour": 5, "minute": 25}
